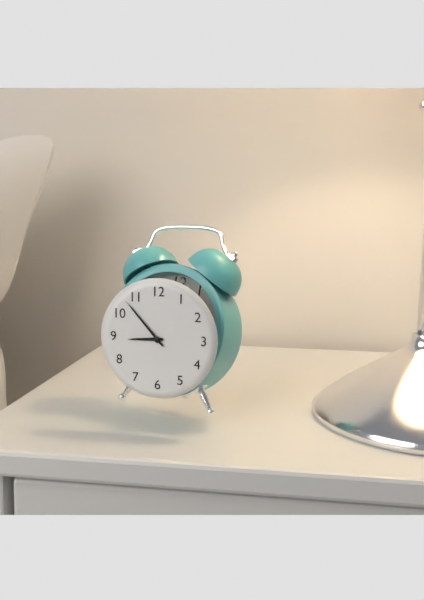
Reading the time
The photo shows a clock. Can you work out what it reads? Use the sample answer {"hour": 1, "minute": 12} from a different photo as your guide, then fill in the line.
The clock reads {"hour": 8, "minute": 53}
